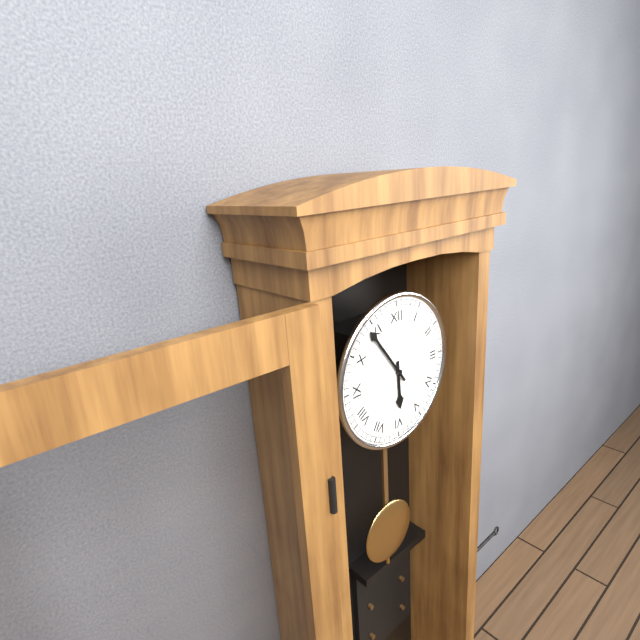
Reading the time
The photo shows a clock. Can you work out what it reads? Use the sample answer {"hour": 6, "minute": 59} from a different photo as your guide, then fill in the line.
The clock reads {"hour": 5, "minute": 54}
